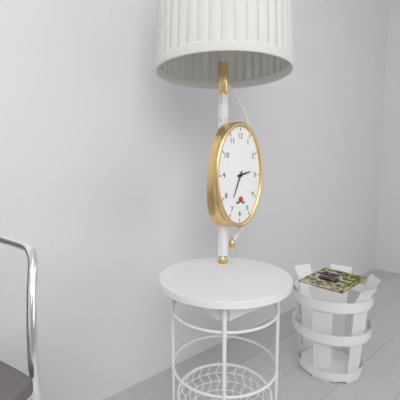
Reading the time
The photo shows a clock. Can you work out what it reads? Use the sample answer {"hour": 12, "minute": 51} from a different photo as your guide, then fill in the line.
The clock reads {"hour": 2, "minute": 34}
